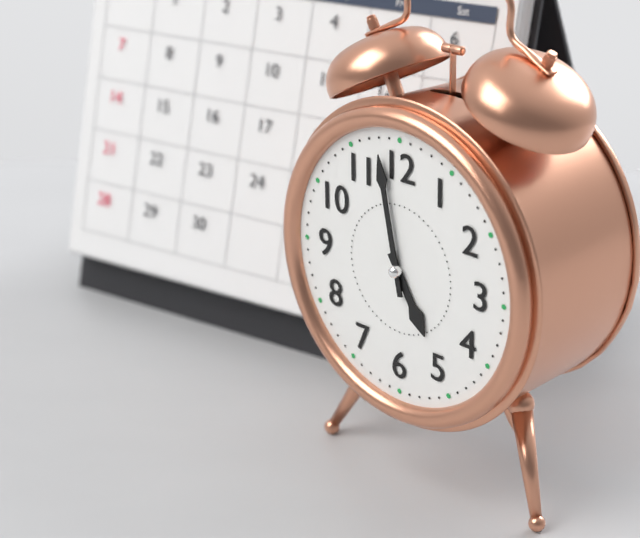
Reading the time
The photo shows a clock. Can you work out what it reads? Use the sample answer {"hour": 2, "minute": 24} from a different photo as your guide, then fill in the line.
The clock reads {"hour": 4, "minute": 58}
